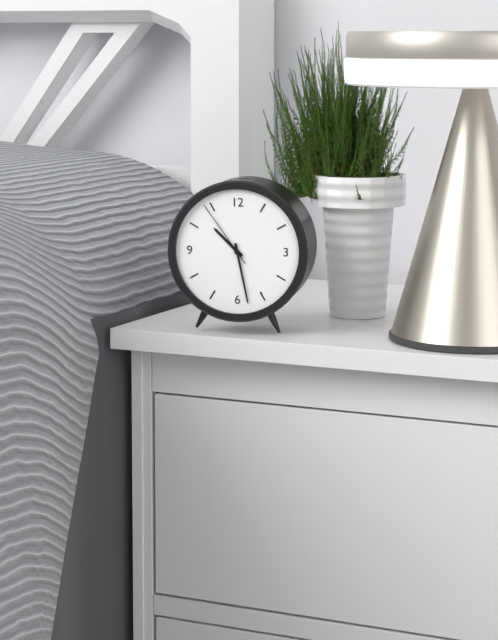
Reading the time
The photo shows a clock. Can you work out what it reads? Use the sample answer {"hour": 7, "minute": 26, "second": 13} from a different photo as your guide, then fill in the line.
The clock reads {"hour": 10, "minute": 28, "second": 54}
